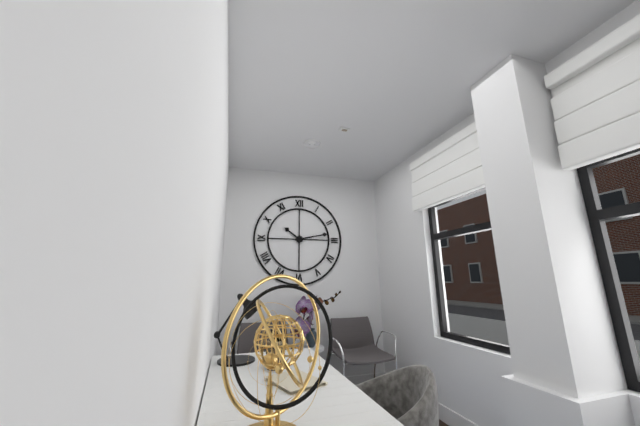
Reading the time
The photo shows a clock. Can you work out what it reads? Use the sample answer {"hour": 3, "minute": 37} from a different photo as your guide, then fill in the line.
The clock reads {"hour": 10, "minute": 13}
